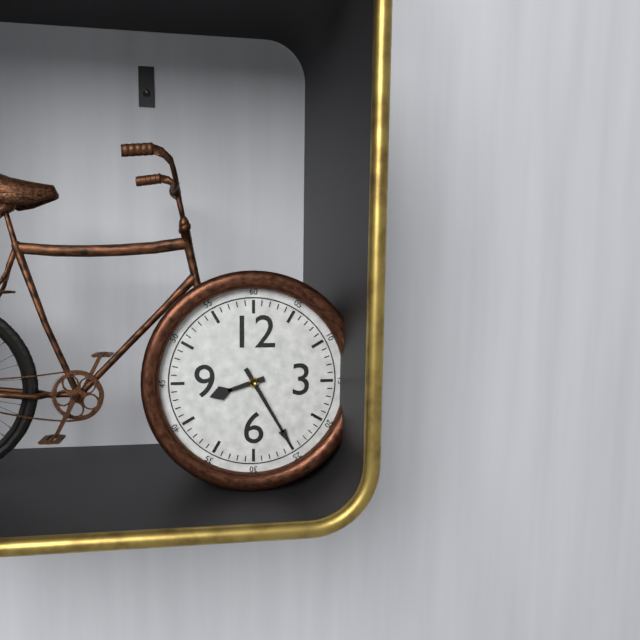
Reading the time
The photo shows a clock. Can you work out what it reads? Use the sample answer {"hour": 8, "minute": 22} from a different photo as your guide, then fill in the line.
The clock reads {"hour": 8, "minute": 25}
